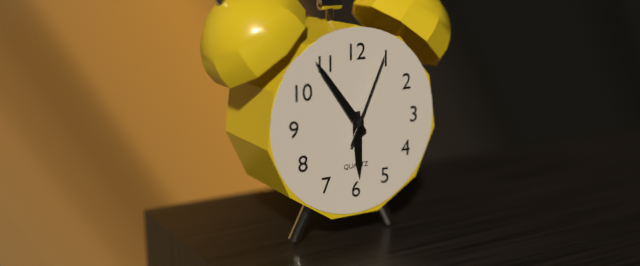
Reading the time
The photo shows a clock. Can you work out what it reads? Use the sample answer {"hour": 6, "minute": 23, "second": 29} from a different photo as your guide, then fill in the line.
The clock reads {"hour": 5, "minute": 54, "second": 4}
